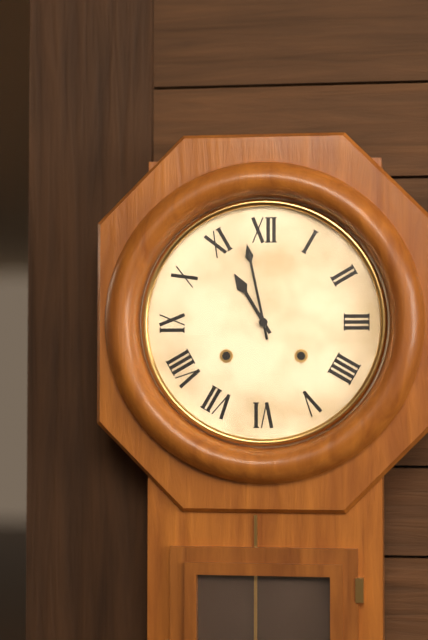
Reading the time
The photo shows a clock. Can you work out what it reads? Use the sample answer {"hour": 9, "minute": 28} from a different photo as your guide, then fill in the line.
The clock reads {"hour": 10, "minute": 58}
